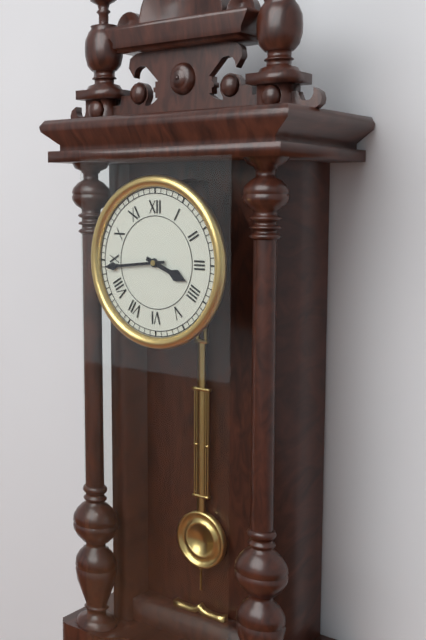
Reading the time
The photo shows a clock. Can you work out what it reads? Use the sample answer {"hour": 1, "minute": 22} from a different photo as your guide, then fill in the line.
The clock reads {"hour": 3, "minute": 44}
